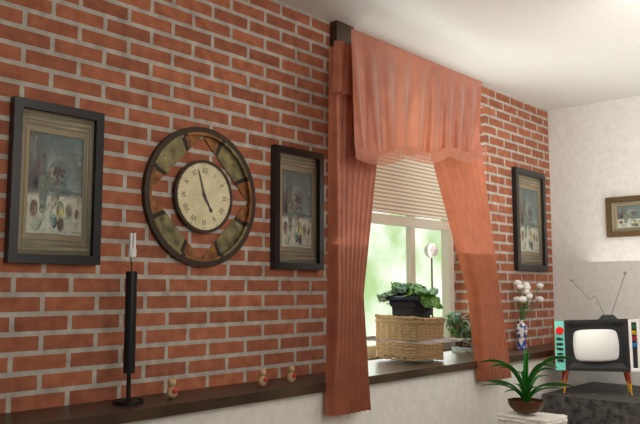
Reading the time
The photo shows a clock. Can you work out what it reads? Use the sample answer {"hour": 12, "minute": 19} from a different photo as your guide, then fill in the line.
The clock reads {"hour": 4, "minute": 57}
